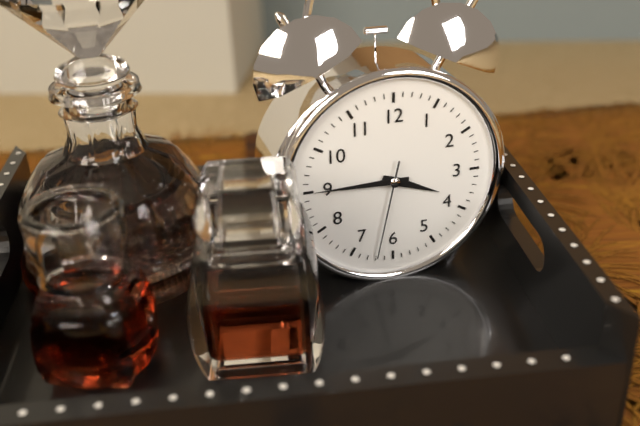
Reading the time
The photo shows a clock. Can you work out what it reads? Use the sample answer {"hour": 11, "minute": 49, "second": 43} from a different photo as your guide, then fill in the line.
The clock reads {"hour": 3, "minute": 45, "second": 32}
